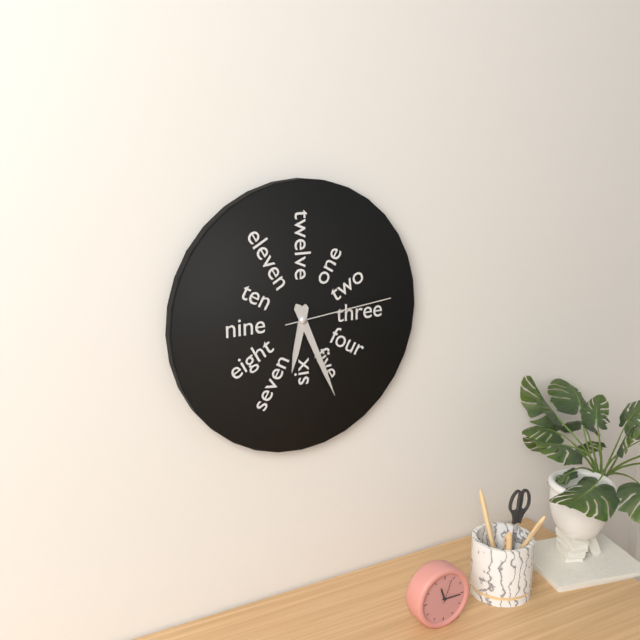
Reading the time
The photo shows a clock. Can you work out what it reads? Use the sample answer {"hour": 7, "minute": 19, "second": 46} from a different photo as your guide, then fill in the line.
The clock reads {"hour": 6, "minute": 26, "second": 14}
